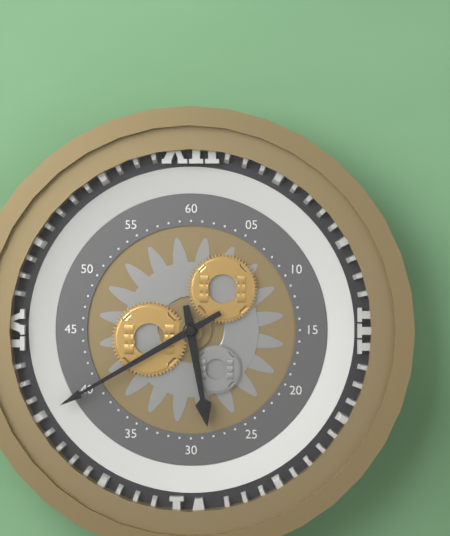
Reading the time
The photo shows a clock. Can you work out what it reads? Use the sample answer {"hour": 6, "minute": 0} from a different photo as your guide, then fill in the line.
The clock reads {"hour": 5, "minute": 40}
